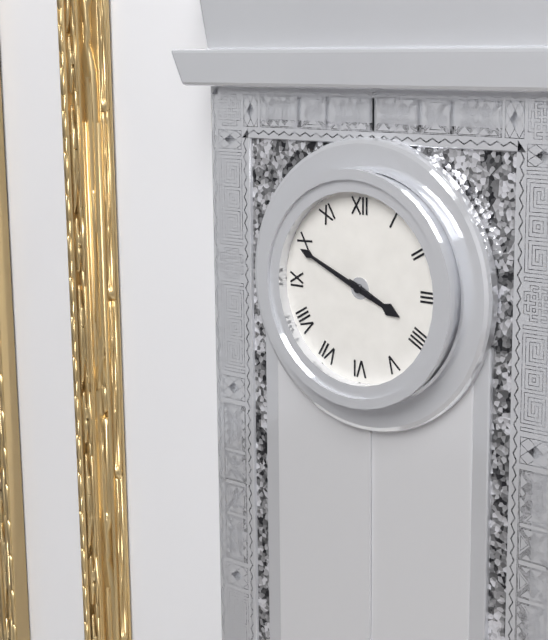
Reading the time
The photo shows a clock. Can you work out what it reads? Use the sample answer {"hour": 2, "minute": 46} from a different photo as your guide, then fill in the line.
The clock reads {"hour": 3, "minute": 49}
